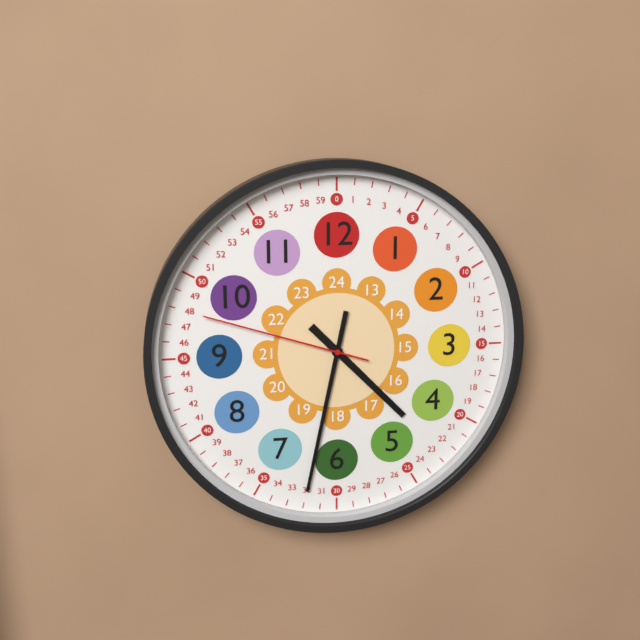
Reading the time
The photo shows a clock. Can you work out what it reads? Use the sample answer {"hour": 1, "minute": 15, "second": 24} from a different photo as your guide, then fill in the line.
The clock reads {"hour": 4, "minute": 32, "second": 48}
